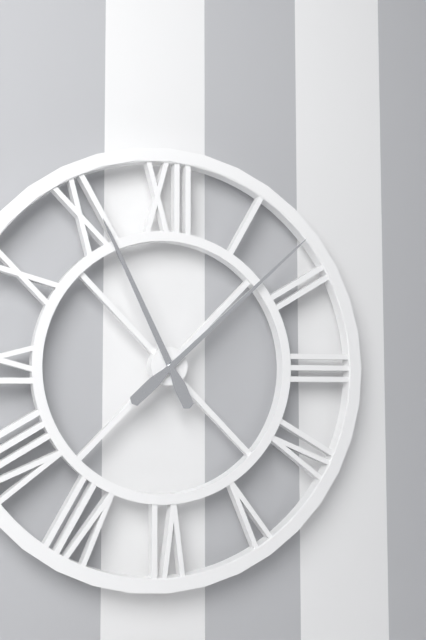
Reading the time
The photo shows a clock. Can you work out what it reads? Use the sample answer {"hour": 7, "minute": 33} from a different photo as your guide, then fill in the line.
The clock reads {"hour": 11, "minute": 8}
